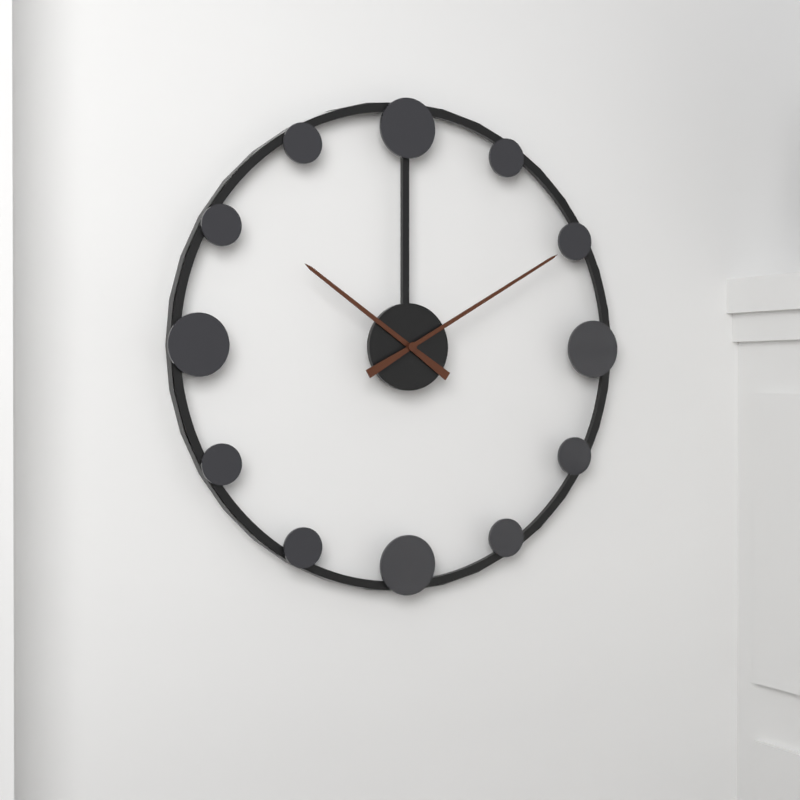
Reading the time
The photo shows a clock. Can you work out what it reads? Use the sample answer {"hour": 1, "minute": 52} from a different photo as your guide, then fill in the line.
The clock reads {"hour": 10, "minute": 10}
